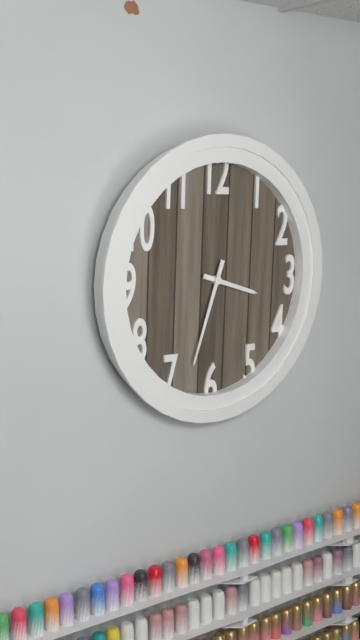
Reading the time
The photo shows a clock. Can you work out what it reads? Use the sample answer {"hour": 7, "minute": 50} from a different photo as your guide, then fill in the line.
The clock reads {"hour": 3, "minute": 33}
